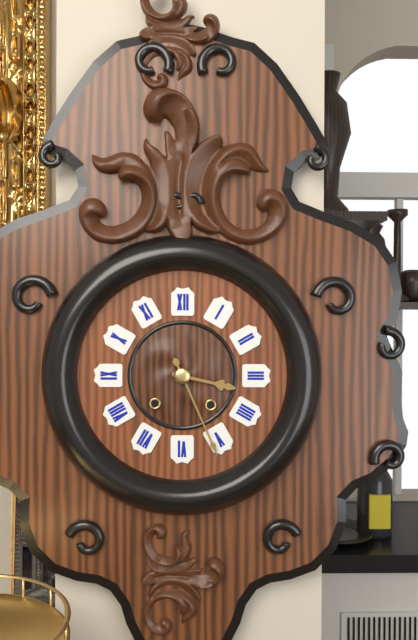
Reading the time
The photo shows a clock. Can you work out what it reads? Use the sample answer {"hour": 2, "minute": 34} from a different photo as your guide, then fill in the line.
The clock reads {"hour": 3, "minute": 26}
